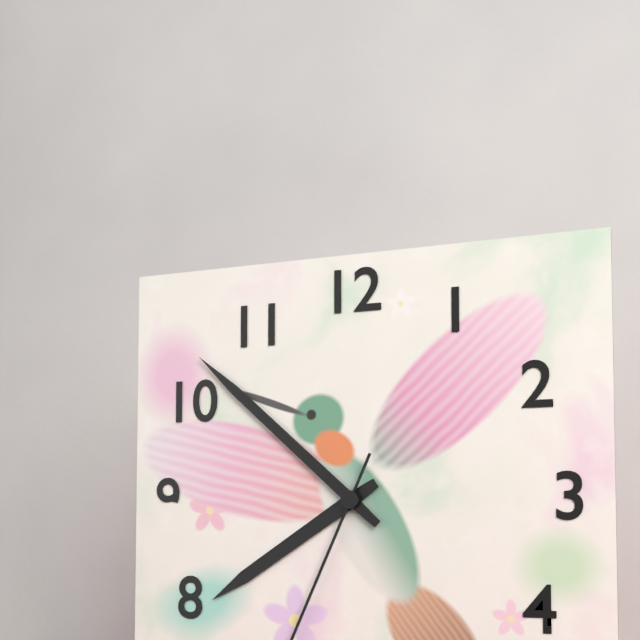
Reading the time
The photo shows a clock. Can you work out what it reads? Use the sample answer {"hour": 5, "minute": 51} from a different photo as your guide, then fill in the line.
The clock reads {"hour": 7, "minute": 52}
